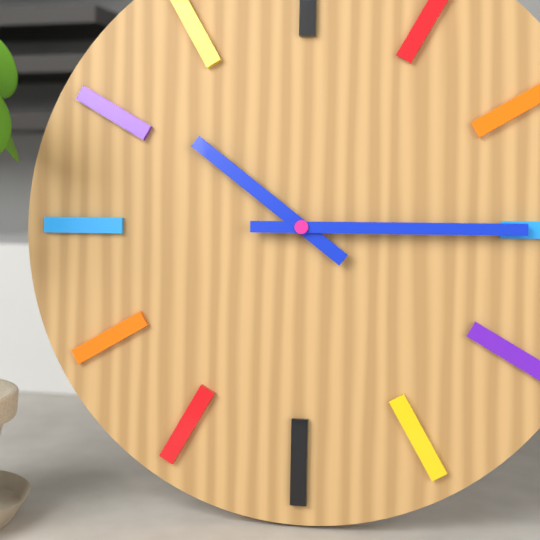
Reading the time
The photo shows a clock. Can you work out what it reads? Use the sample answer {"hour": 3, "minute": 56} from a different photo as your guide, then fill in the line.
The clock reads {"hour": 10, "minute": 15}
